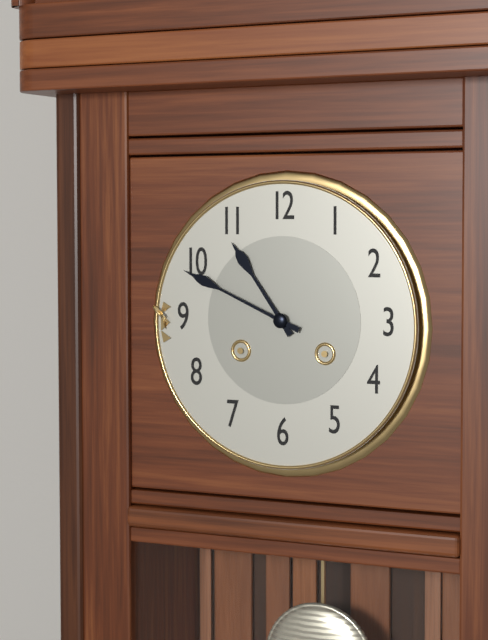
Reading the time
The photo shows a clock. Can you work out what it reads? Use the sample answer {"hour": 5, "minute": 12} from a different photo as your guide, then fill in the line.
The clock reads {"hour": 10, "minute": 49}
